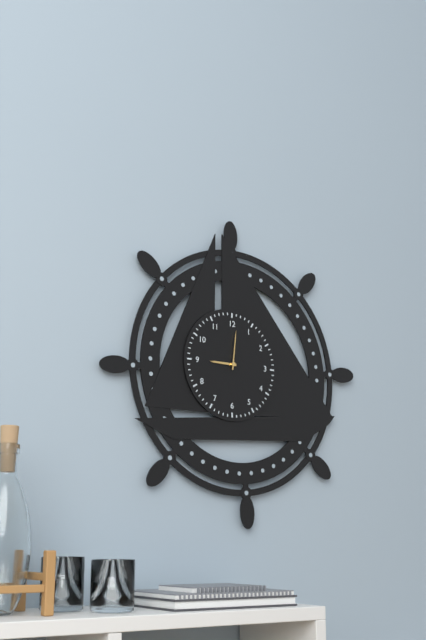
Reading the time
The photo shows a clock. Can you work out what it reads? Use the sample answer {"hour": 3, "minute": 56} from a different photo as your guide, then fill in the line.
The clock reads {"hour": 9, "minute": 1}
